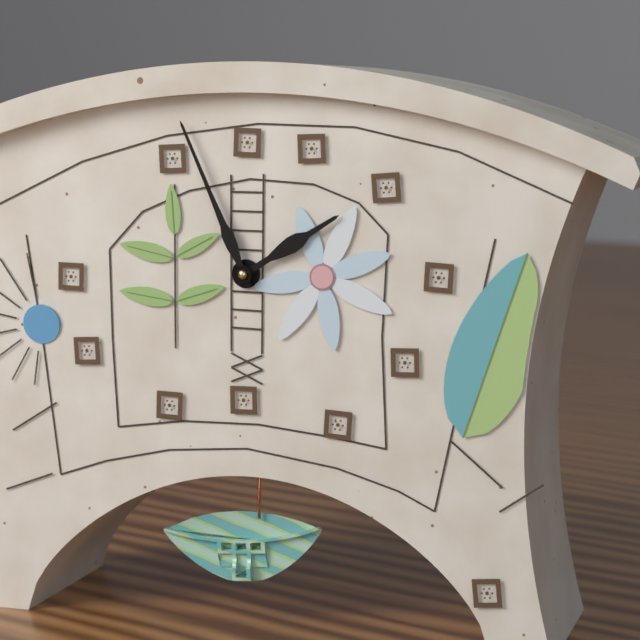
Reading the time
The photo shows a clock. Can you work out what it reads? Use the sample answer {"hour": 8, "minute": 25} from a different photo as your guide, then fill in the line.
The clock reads {"hour": 1, "minute": 56}
